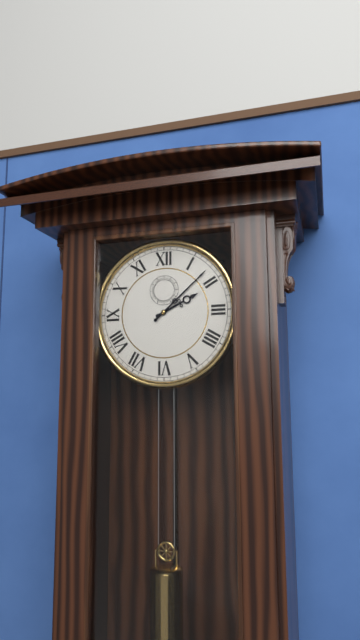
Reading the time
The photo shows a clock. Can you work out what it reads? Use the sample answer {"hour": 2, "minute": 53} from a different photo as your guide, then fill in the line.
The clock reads {"hour": 2, "minute": 8}
